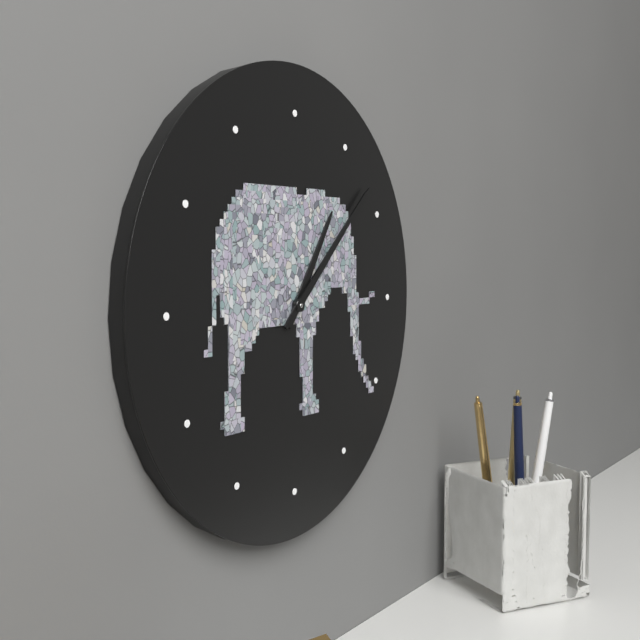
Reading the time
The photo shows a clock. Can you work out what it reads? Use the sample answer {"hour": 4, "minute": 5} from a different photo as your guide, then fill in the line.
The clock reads {"hour": 1, "minute": 8}
